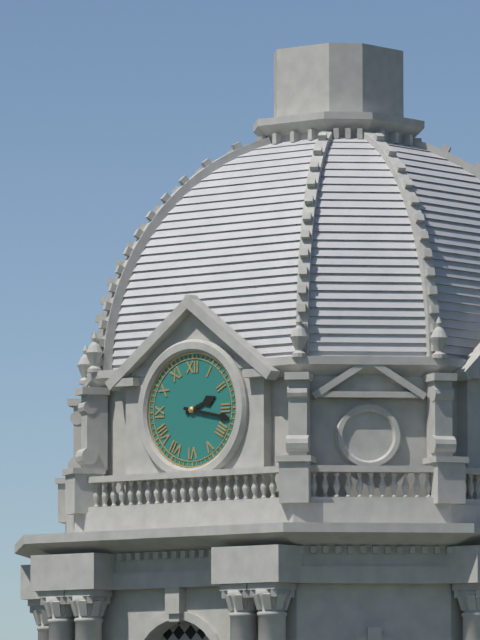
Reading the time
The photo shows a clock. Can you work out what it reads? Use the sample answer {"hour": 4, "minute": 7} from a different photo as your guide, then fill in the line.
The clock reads {"hour": 2, "minute": 17}
